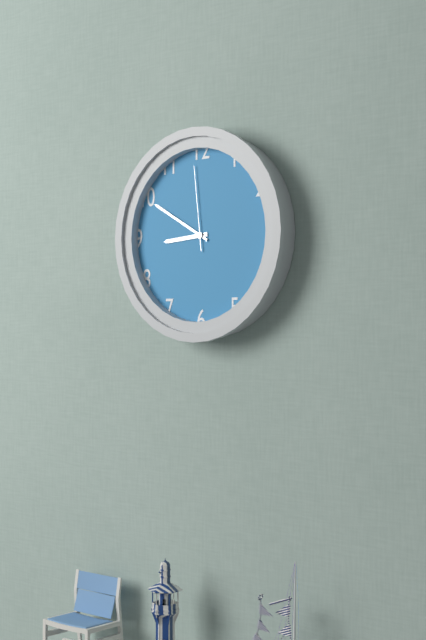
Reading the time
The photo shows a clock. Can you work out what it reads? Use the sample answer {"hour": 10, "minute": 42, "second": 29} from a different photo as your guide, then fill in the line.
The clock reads {"hour": 8, "minute": 50, "second": 59}
